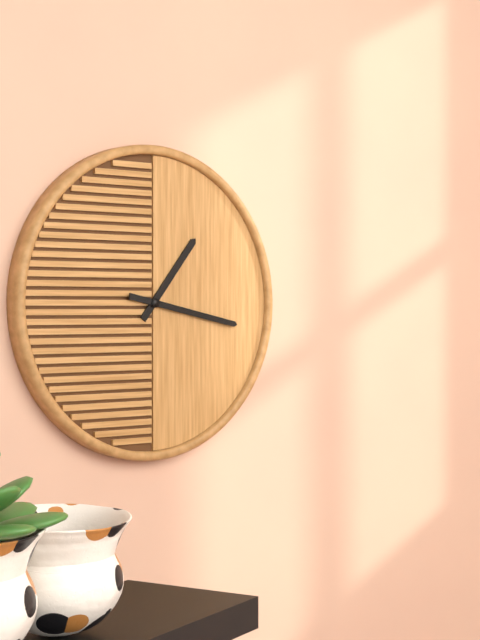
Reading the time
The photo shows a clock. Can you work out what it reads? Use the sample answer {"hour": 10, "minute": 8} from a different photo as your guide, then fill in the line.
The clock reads {"hour": 1, "minute": 17}
